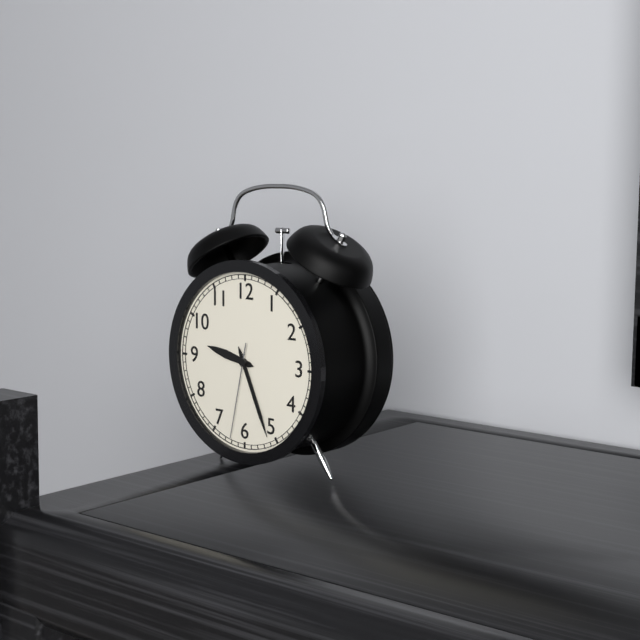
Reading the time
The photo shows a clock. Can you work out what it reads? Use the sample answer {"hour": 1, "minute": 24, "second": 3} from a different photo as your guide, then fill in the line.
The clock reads {"hour": 9, "minute": 26, "second": 32}
